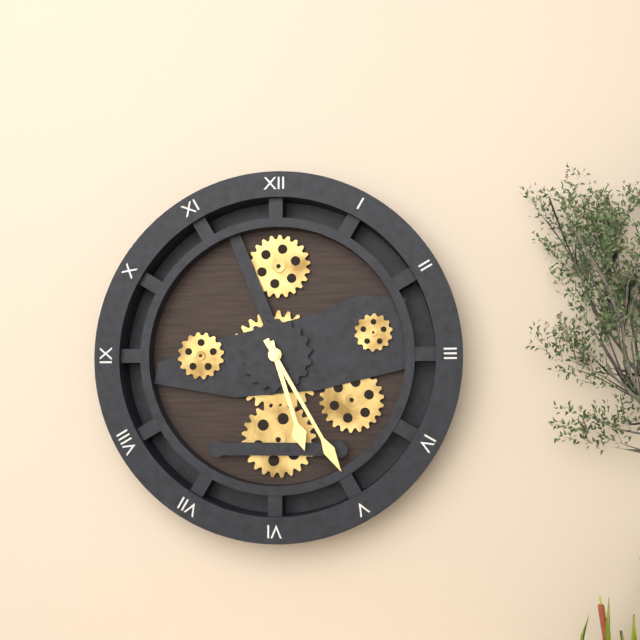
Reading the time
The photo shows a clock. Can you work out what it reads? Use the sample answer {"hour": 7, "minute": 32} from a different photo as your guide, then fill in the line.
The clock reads {"hour": 5, "minute": 25}
